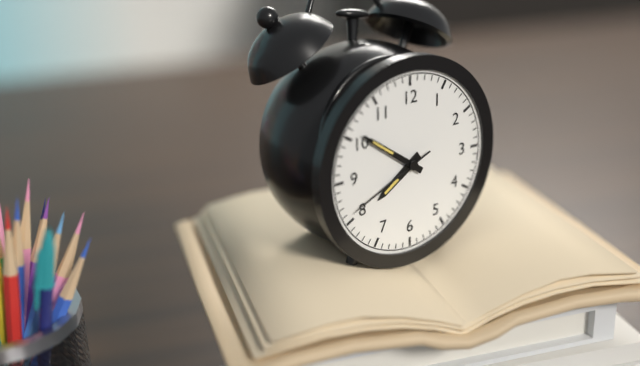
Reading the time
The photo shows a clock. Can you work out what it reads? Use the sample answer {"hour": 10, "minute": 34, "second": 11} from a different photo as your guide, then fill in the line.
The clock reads {"hour": 7, "minute": 51, "second": 41}
